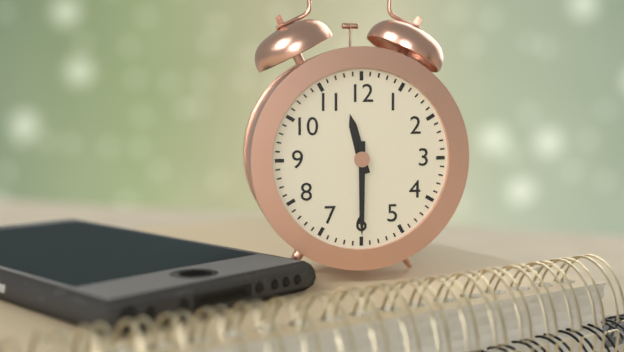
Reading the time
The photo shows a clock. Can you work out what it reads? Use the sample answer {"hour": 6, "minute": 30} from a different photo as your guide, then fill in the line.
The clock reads {"hour": 11, "minute": 30}
